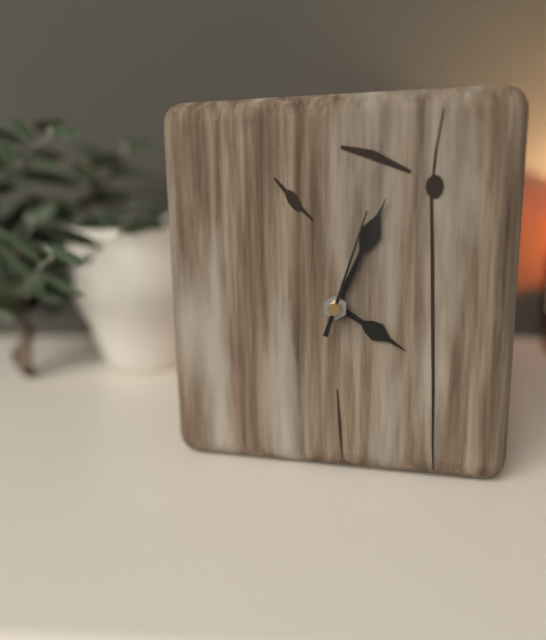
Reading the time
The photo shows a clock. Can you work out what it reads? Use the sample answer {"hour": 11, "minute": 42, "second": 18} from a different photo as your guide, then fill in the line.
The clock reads {"hour": 4, "minute": 4, "second": 3}
